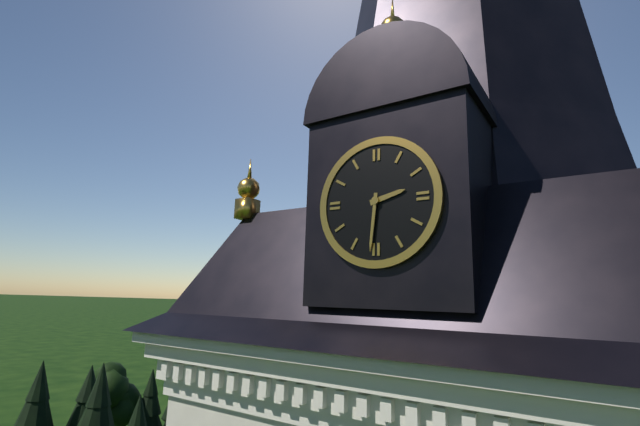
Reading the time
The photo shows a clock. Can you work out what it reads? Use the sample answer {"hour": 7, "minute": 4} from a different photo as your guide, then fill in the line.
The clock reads {"hour": 2, "minute": 31}
